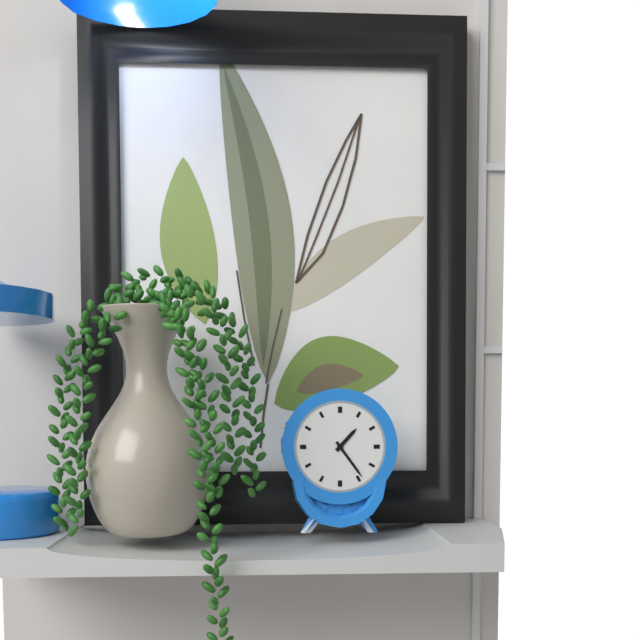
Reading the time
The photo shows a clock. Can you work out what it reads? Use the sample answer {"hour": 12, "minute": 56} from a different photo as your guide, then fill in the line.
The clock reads {"hour": 1, "minute": 24}
